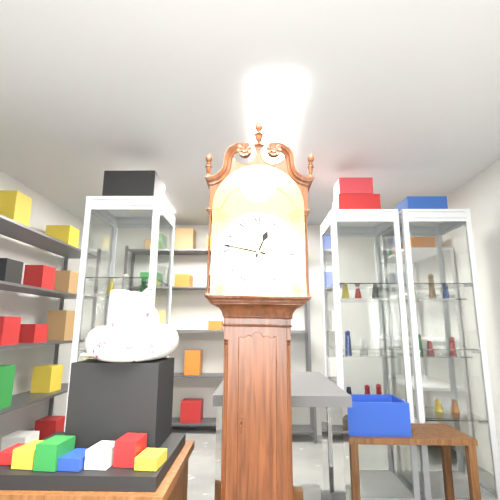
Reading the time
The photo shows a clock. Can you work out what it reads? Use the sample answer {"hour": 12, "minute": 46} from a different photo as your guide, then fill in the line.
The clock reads {"hour": 12, "minute": 47}
